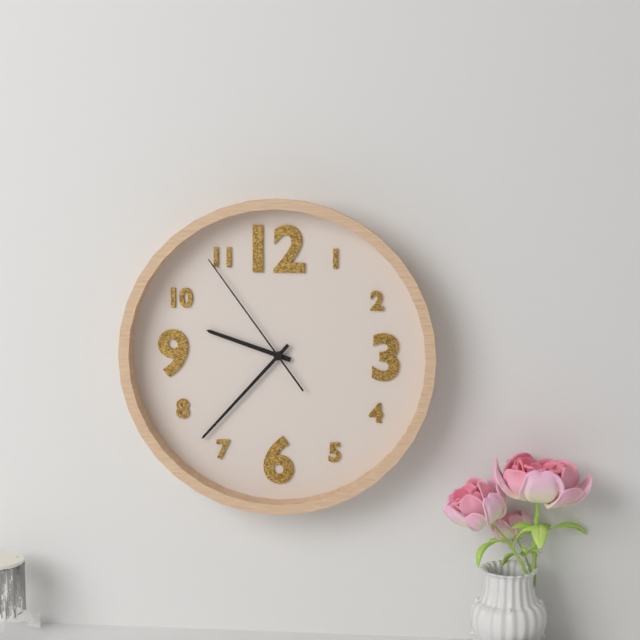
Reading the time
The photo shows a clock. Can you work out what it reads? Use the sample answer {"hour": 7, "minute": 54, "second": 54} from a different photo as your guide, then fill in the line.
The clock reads {"hour": 9, "minute": 37, "second": 54}
